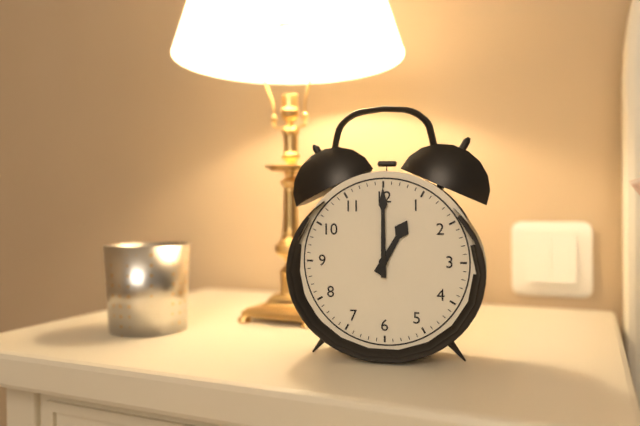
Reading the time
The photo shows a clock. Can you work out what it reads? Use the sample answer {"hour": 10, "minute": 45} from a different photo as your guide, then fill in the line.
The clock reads {"hour": 1, "minute": 0}
